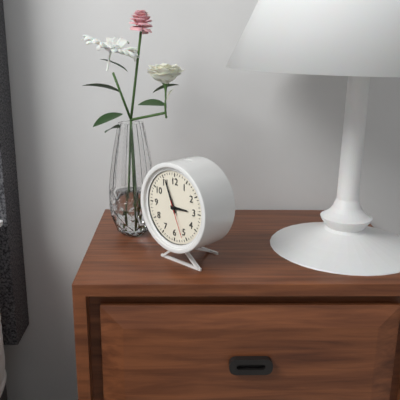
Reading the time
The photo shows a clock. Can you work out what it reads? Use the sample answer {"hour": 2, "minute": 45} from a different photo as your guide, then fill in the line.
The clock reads {"hour": 2, "minute": 56}
